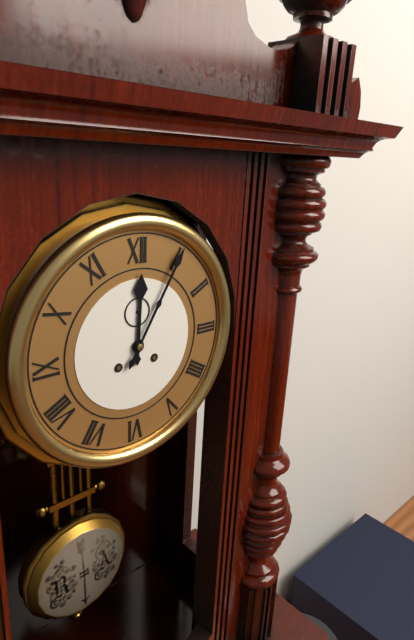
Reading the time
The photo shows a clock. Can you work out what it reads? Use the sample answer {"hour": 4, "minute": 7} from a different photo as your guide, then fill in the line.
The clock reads {"hour": 12, "minute": 5}
